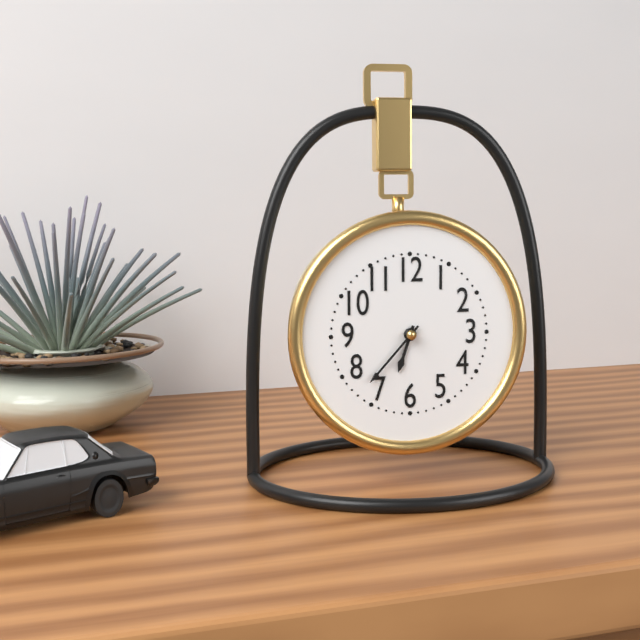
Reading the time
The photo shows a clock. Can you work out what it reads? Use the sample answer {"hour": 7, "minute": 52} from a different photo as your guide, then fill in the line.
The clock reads {"hour": 6, "minute": 37}
